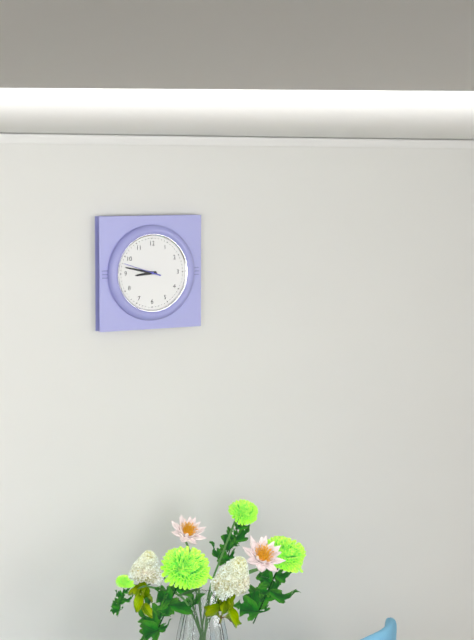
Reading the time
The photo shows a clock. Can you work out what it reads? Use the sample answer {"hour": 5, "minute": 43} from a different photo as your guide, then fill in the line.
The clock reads {"hour": 8, "minute": 47}
